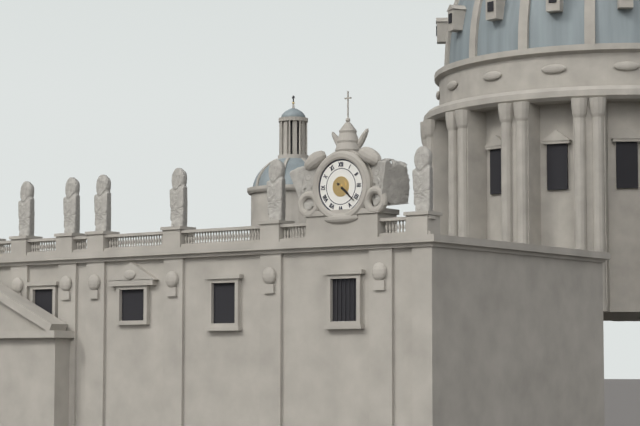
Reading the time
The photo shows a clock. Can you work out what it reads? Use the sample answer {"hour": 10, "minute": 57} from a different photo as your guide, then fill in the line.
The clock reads {"hour": 4, "minute": 22}
